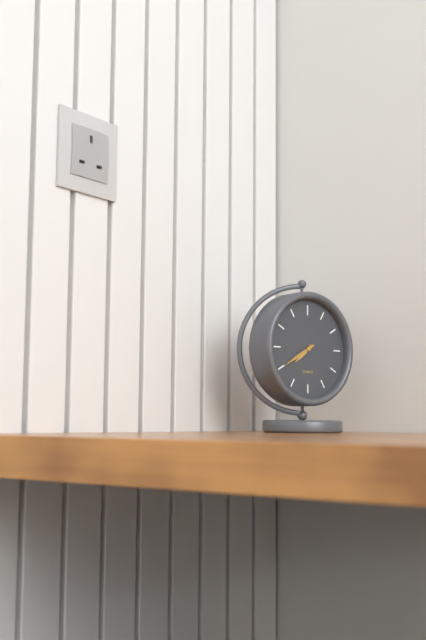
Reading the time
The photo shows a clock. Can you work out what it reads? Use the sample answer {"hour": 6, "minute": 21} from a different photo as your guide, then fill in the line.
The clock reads {"hour": 7, "minute": 40}
